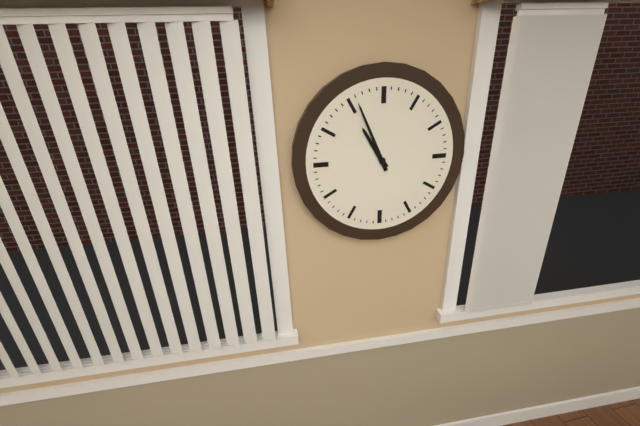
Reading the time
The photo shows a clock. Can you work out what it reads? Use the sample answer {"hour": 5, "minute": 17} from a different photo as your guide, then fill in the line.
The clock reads {"hour": 10, "minute": 56}
